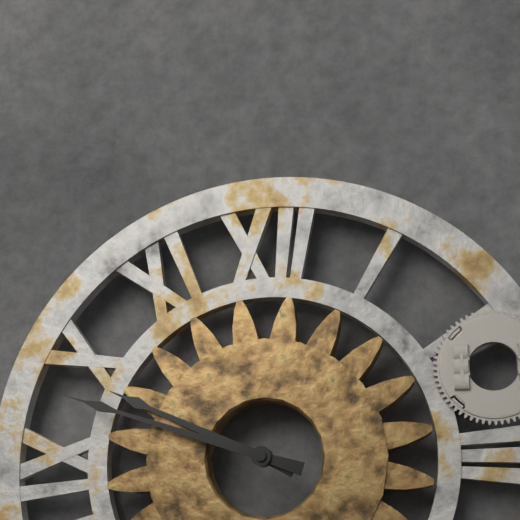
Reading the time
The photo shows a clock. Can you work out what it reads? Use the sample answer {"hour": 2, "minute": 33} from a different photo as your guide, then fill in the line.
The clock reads {"hour": 9, "minute": 48}
